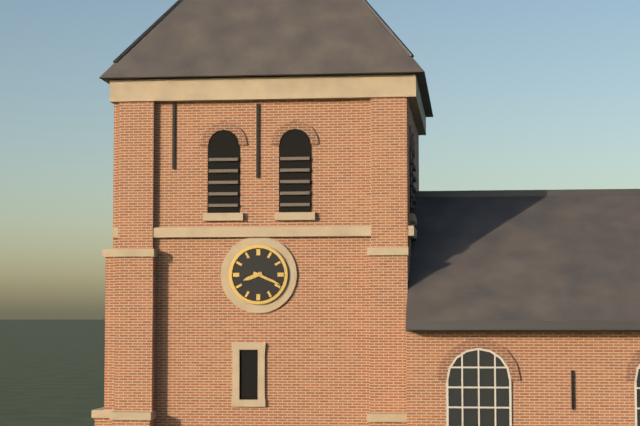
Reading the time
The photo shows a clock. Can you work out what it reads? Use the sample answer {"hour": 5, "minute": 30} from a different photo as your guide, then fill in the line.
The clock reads {"hour": 8, "minute": 19}
